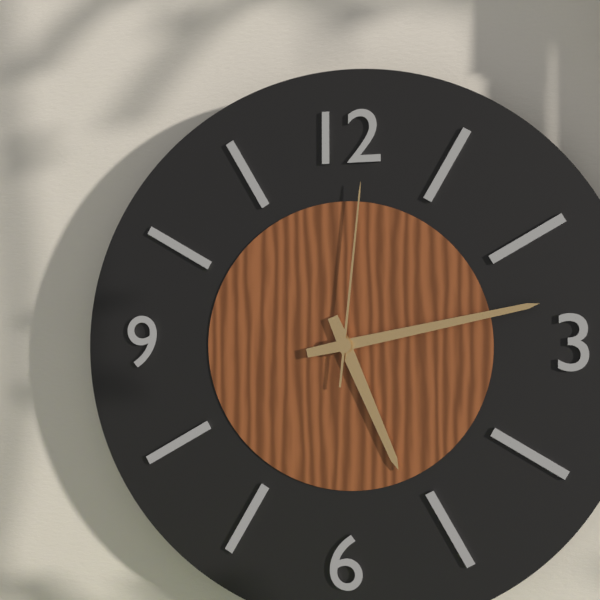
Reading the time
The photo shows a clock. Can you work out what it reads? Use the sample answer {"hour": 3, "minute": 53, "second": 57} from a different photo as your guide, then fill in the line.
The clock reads {"hour": 5, "minute": 13, "second": 1}
